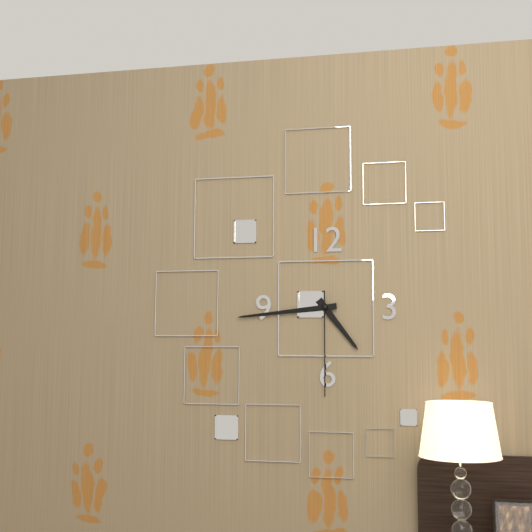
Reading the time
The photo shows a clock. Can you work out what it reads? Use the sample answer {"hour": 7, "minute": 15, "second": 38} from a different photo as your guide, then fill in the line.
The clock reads {"hour": 4, "minute": 44, "second": 30}
